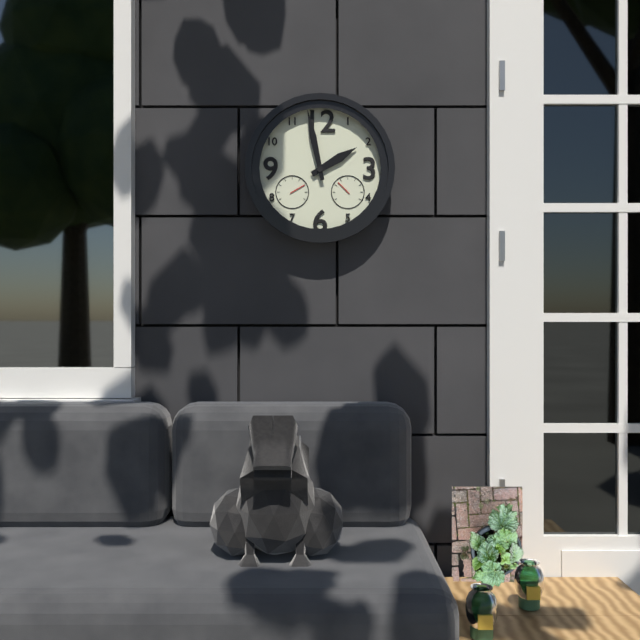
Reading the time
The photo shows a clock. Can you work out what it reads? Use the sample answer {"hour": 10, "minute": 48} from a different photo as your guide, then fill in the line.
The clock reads {"hour": 1, "minute": 58}
